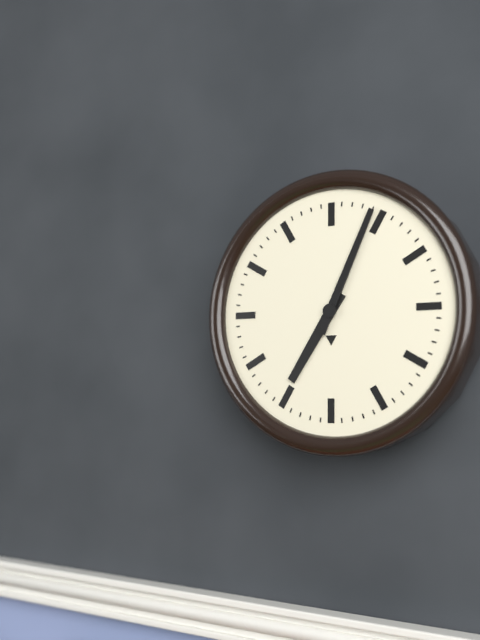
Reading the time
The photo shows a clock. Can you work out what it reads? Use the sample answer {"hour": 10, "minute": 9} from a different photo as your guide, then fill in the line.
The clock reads {"hour": 7, "minute": 4}
